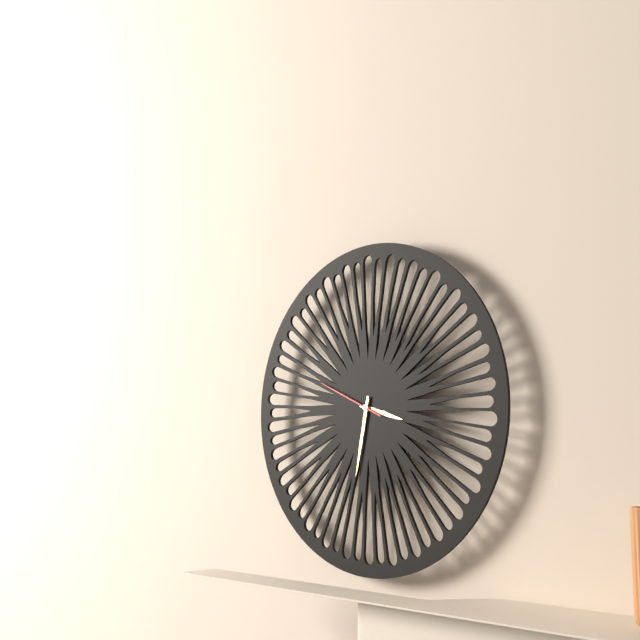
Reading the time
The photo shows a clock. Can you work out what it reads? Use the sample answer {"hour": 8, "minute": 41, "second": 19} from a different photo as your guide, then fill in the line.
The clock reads {"hour": 3, "minute": 32, "second": 49}
